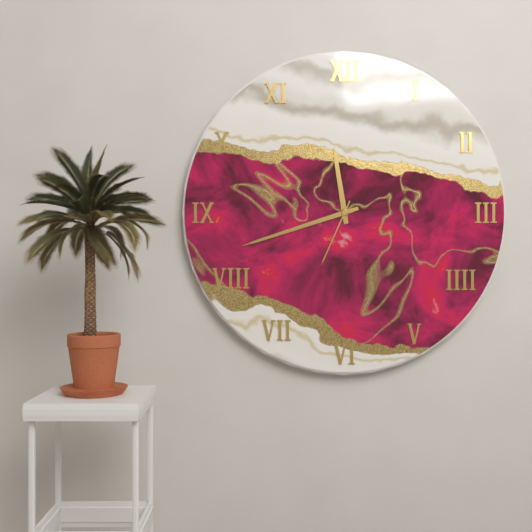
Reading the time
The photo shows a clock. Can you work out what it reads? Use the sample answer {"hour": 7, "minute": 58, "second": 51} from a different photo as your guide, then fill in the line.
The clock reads {"hour": 11, "minute": 42, "second": 34}
